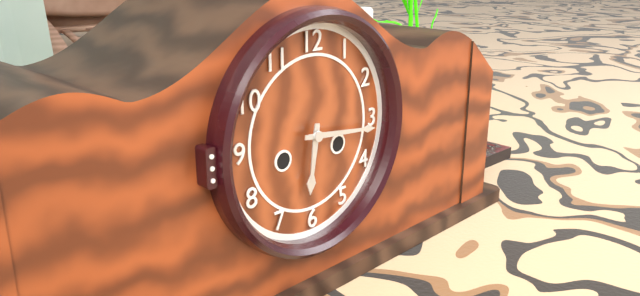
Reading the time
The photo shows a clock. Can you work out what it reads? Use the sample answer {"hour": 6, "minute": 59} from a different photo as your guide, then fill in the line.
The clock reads {"hour": 6, "minute": 16}
